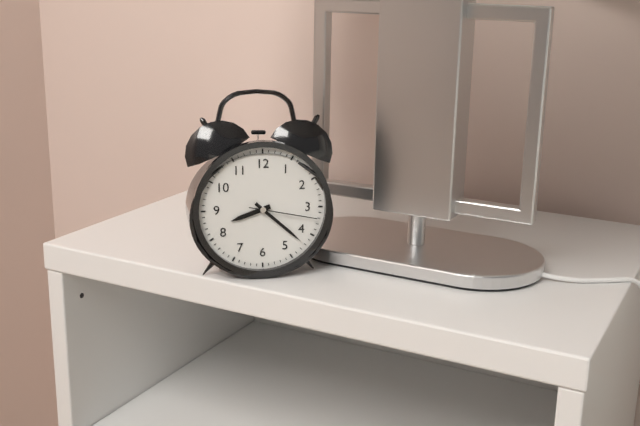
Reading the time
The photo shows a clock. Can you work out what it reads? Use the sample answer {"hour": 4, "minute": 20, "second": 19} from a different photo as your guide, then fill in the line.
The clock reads {"hour": 8, "minute": 22, "second": 17}
